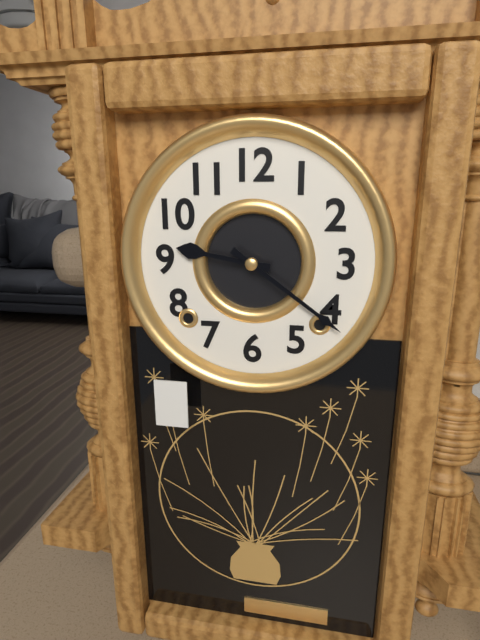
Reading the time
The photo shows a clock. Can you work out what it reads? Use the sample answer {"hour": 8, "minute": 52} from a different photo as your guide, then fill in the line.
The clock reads {"hour": 9, "minute": 21}
